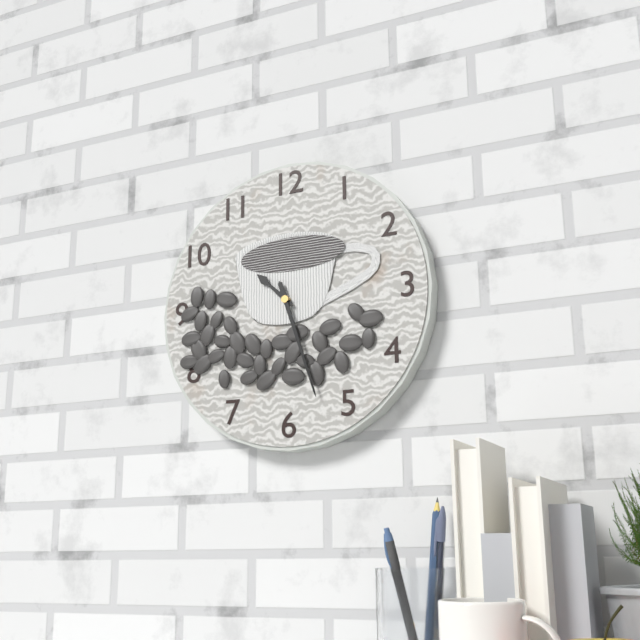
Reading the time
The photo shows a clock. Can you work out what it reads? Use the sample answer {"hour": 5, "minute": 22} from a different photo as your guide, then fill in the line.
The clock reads {"hour": 10, "minute": 27}
